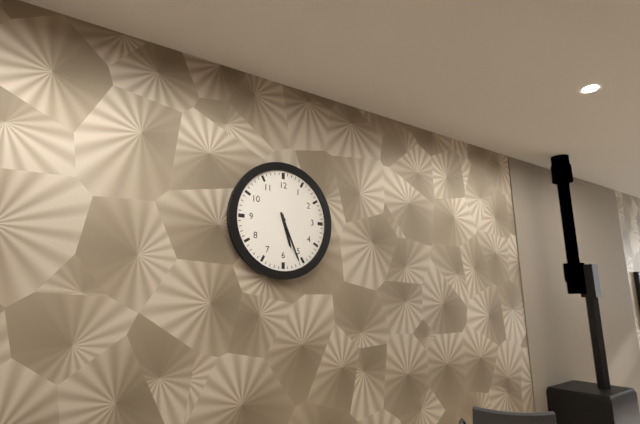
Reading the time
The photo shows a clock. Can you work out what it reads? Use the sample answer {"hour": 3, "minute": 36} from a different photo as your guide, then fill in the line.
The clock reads {"hour": 5, "minute": 26}
